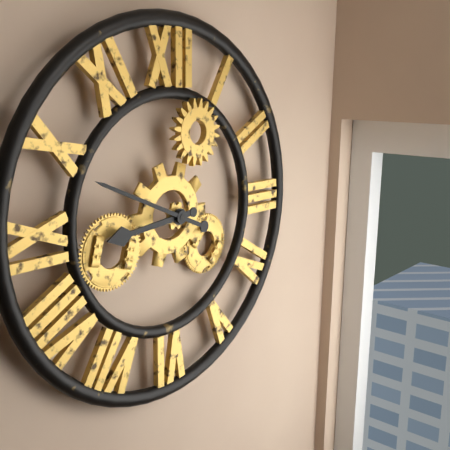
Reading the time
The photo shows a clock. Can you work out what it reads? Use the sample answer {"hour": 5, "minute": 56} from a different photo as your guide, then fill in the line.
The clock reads {"hour": 8, "minute": 49}
